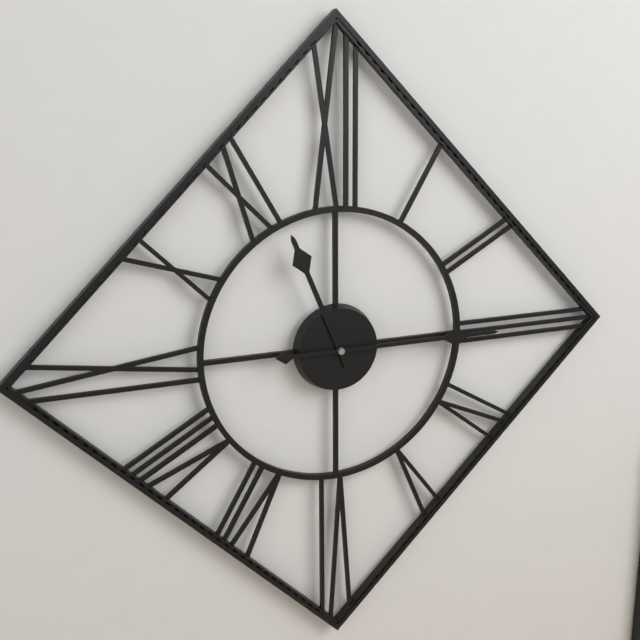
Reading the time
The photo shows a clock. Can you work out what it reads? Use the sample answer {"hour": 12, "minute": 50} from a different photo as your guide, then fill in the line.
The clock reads {"hour": 11, "minute": 15}
